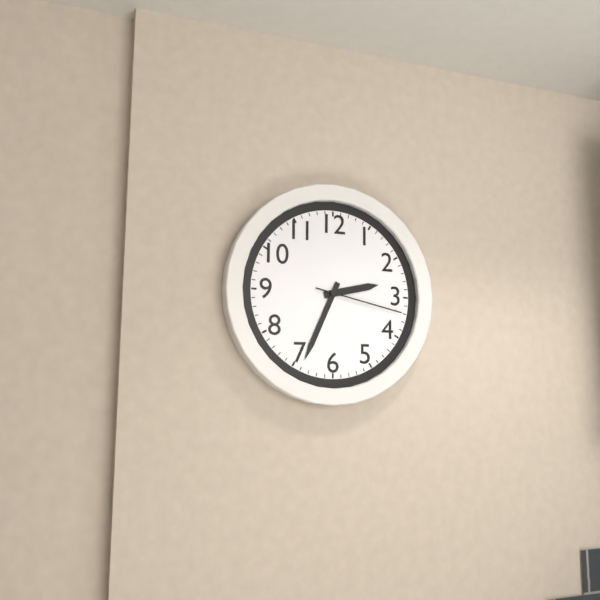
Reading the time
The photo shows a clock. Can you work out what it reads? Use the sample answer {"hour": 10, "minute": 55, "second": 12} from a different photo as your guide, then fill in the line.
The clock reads {"hour": 2, "minute": 34, "second": 17}
